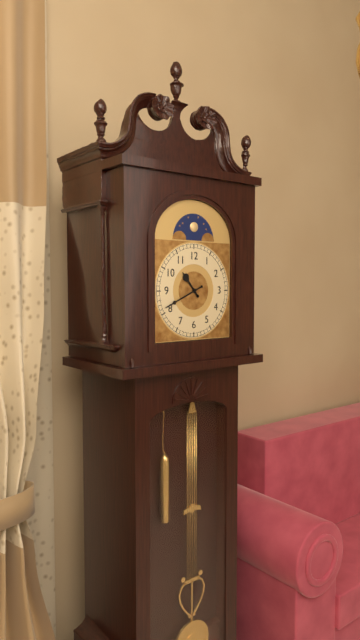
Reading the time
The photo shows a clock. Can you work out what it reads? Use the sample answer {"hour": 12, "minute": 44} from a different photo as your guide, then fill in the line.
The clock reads {"hour": 10, "minute": 41}
